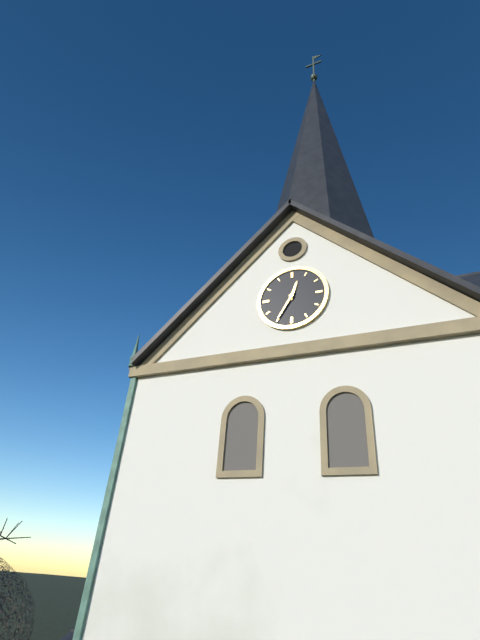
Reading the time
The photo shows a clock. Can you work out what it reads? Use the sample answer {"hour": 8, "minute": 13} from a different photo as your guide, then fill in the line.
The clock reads {"hour": 12, "minute": 35}
